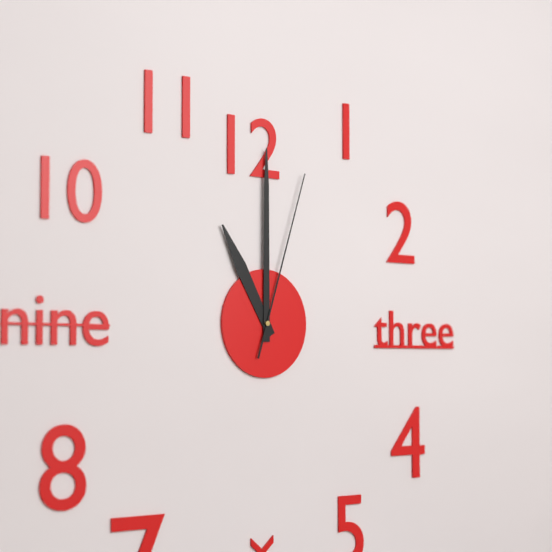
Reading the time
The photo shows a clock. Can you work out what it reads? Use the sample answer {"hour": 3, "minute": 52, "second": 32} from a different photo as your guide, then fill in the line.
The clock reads {"hour": 11, "minute": 0, "second": 3}
